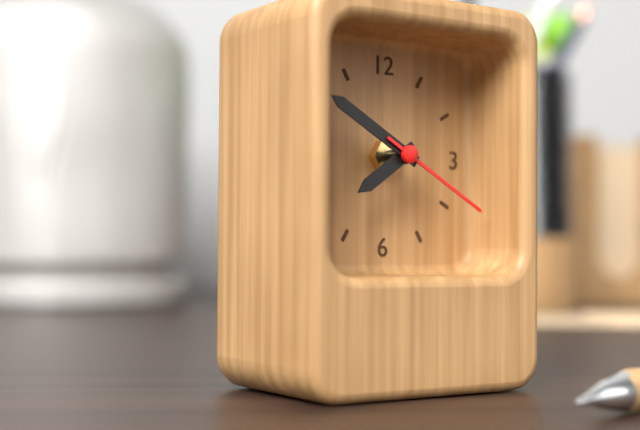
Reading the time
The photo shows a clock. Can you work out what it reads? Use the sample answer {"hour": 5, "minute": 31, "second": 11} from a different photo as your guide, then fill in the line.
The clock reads {"hour": 7, "minute": 50, "second": 20}
